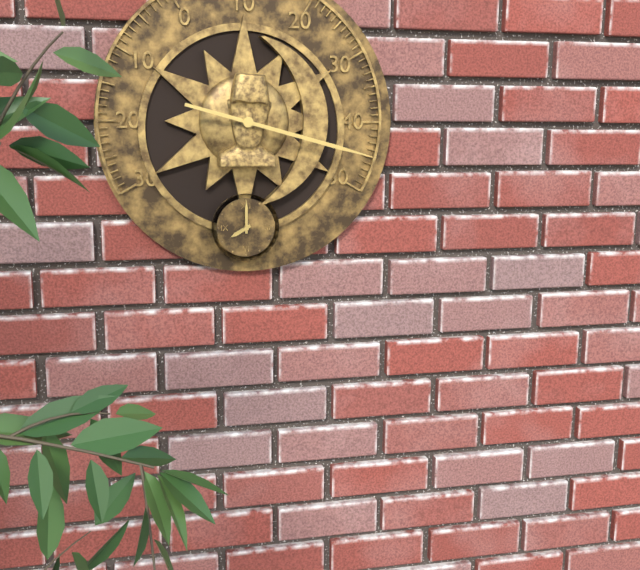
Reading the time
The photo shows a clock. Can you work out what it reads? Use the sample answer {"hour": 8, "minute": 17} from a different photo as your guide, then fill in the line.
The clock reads {"hour": 8, "minute": 0}
